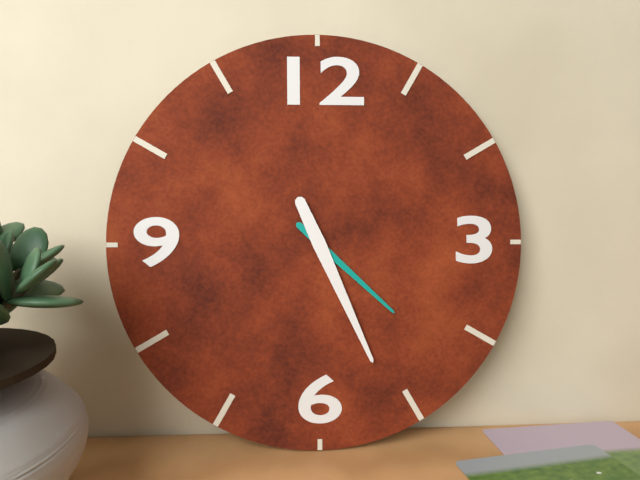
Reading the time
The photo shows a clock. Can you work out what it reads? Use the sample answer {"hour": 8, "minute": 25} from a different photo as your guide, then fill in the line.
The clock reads {"hour": 4, "minute": 26}
